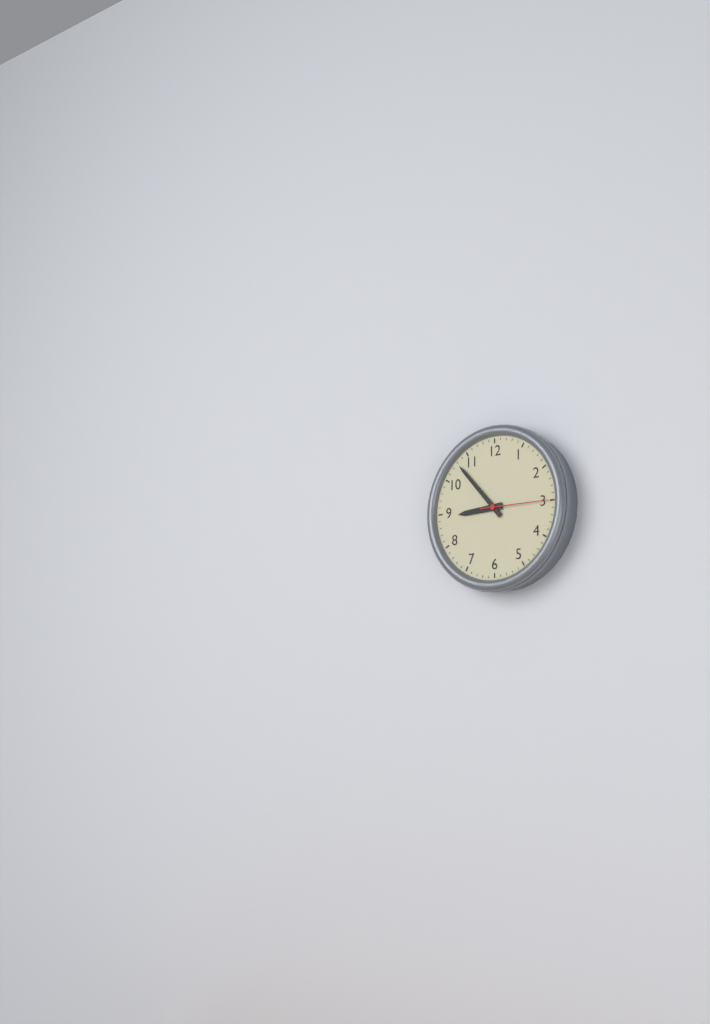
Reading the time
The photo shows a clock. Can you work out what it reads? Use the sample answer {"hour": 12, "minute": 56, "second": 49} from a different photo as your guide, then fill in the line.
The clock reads {"hour": 8, "minute": 53, "second": 15}
